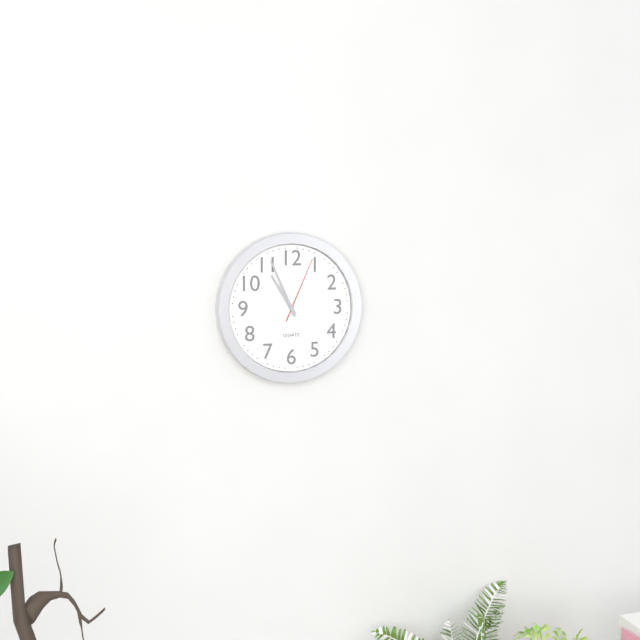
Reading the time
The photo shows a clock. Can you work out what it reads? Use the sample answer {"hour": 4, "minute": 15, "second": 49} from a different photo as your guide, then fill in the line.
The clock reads {"hour": 10, "minute": 56, "second": 4}
